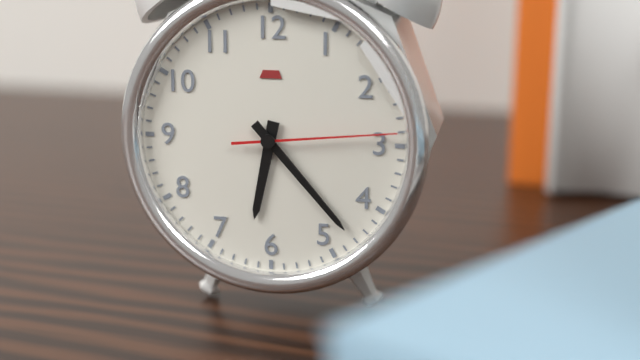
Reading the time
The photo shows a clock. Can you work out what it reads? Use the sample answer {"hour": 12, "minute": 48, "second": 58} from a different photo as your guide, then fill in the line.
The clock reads {"hour": 6, "minute": 23, "second": 14}
